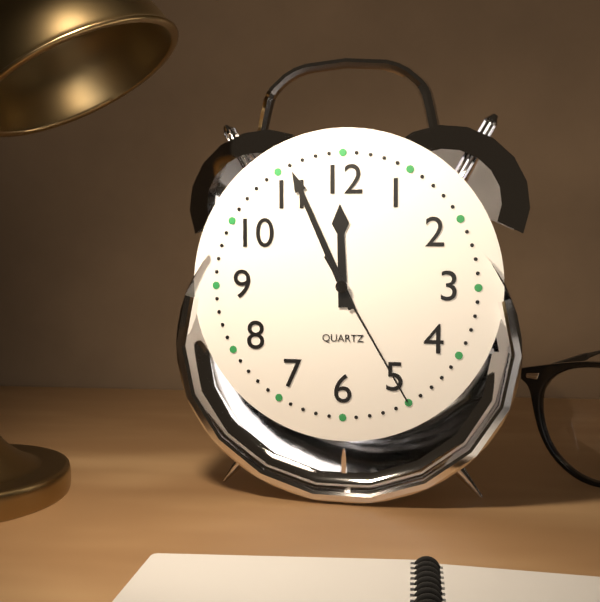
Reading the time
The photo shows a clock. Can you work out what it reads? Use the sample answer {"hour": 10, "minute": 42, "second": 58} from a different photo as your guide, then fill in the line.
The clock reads {"hour": 11, "minute": 56, "second": 25}
